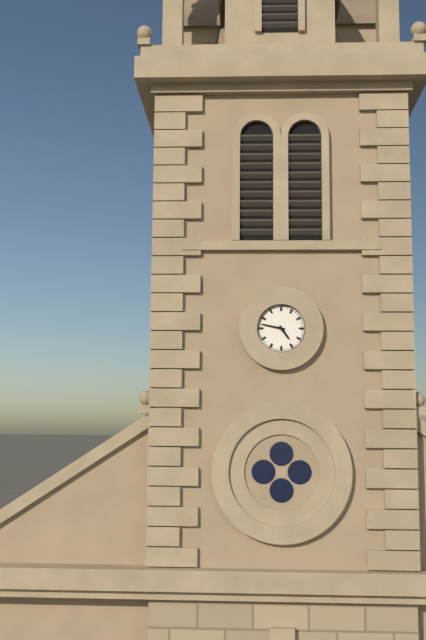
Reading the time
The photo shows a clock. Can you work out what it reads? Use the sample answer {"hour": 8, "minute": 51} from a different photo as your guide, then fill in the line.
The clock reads {"hour": 4, "minute": 47}
